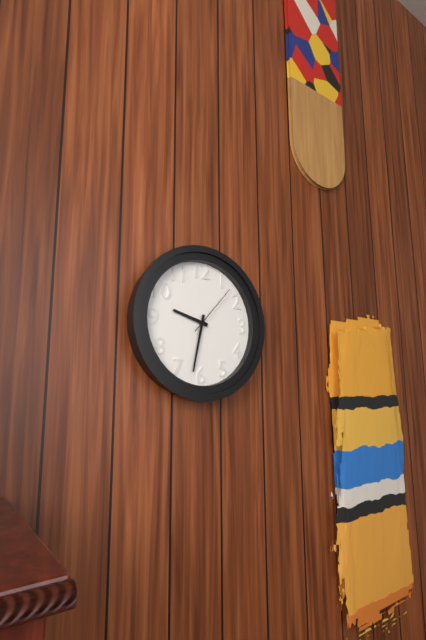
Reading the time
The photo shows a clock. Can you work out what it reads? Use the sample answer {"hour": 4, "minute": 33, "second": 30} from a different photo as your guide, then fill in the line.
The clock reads {"hour": 9, "minute": 32, "second": 7}
